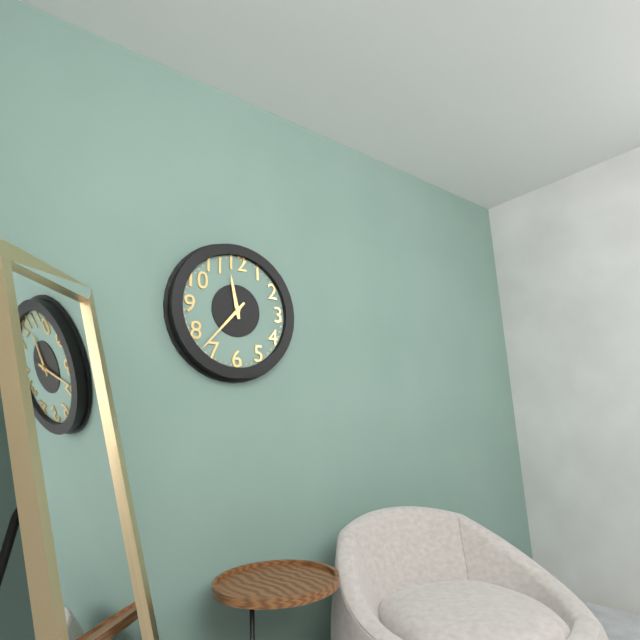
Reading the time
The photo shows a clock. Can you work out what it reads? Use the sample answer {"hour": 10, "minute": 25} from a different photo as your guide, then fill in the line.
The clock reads {"hour": 11, "minute": 37}
